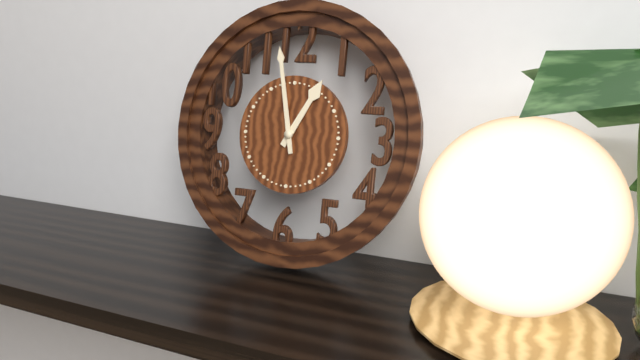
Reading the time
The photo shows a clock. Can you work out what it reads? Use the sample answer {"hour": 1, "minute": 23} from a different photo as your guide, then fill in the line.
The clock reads {"hour": 12, "minute": 58}
